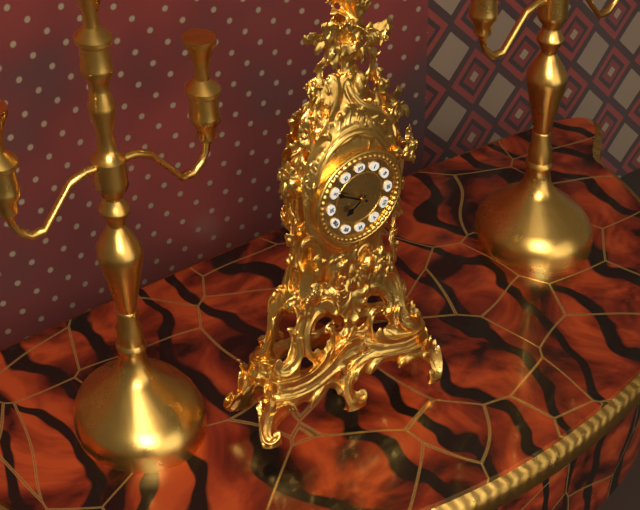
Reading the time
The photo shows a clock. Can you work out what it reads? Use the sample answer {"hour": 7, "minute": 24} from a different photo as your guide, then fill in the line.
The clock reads {"hour": 7, "minute": 50}
